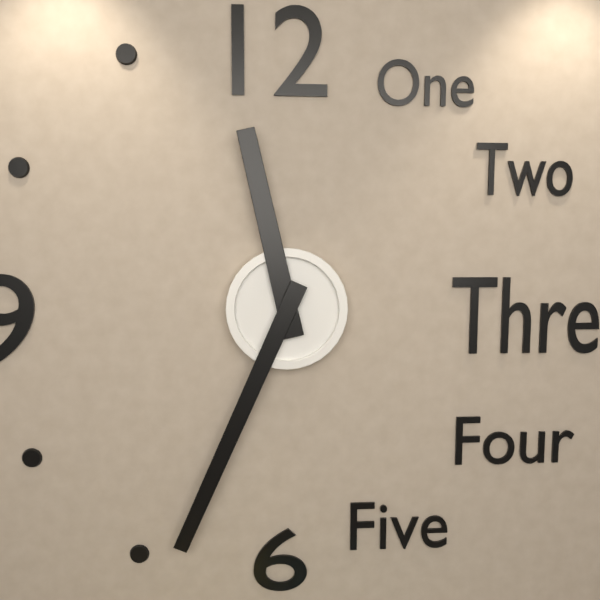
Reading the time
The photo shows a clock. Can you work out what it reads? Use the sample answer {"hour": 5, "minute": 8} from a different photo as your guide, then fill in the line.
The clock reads {"hour": 11, "minute": 34}
